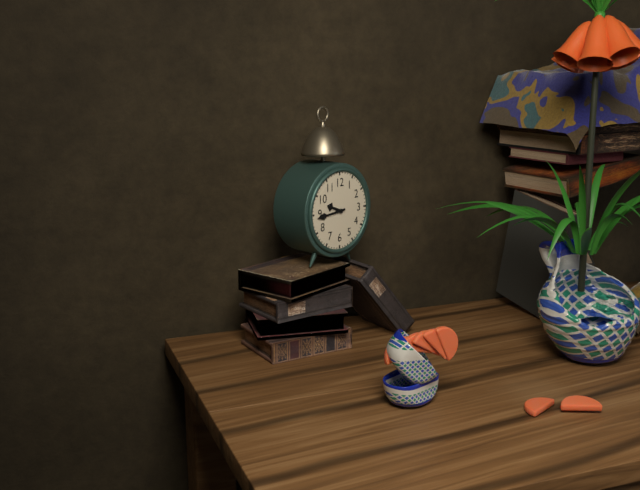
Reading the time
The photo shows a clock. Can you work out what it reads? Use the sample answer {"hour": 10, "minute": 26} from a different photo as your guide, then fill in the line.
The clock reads {"hour": 9, "minute": 44}
